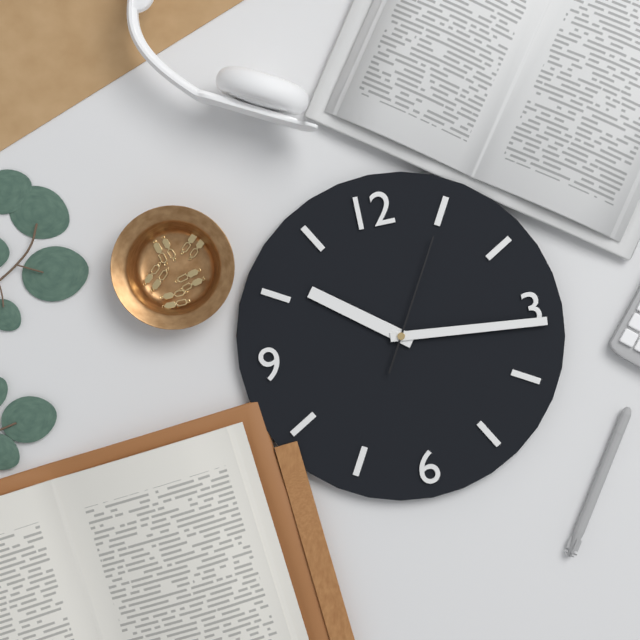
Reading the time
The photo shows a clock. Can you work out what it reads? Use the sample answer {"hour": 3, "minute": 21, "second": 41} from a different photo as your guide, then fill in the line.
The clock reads {"hour": 10, "minute": 16, "second": 5}
